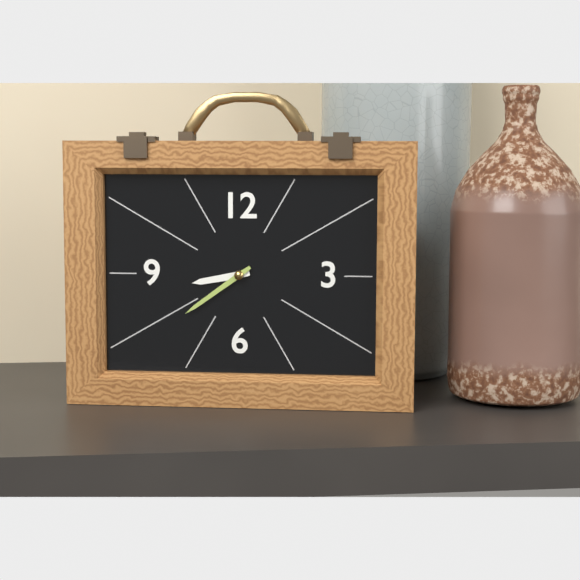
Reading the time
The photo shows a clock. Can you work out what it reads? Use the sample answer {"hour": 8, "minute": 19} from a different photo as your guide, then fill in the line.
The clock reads {"hour": 8, "minute": 39}
